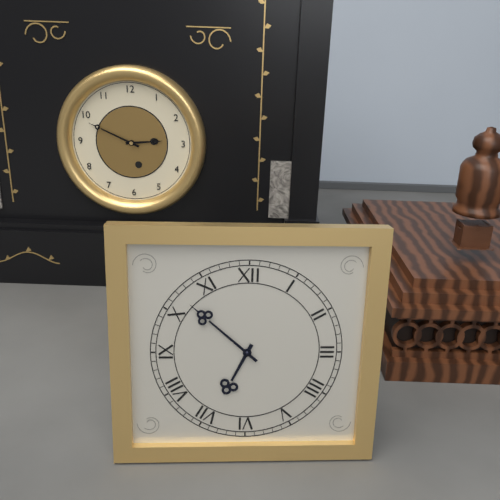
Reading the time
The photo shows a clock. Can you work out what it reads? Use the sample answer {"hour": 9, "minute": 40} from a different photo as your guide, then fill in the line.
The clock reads {"hour": 6, "minute": 52}
